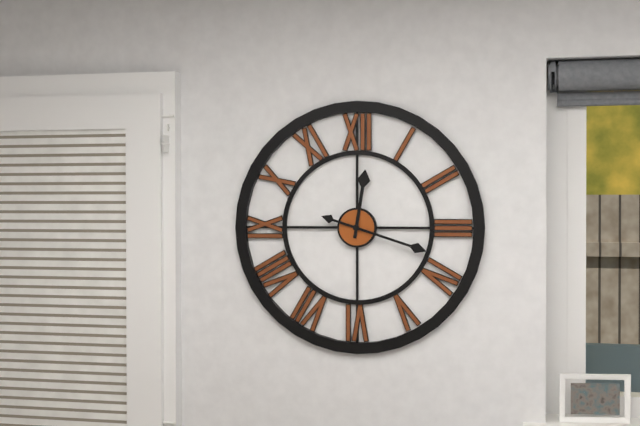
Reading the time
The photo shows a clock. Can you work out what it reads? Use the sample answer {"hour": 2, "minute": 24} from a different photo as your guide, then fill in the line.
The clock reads {"hour": 12, "minute": 18}
